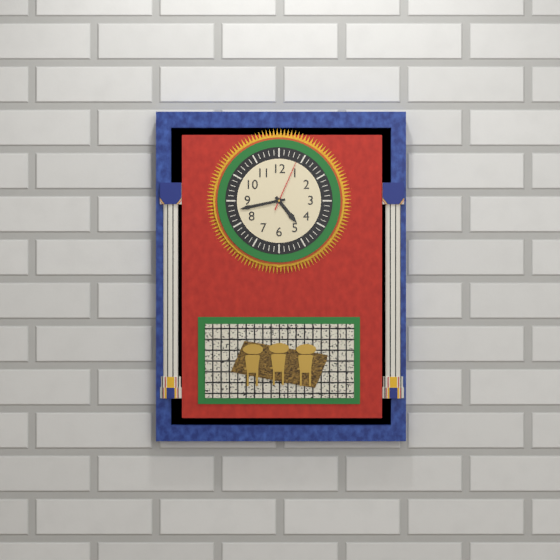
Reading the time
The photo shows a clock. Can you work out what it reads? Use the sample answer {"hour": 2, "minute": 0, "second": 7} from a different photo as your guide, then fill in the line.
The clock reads {"hour": 4, "minute": 43, "second": 4}
